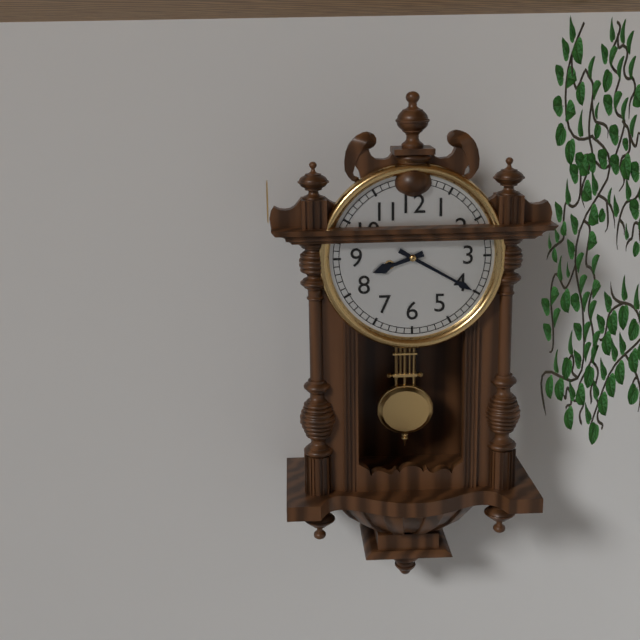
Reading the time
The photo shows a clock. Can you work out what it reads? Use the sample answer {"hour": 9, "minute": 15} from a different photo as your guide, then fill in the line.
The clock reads {"hour": 8, "minute": 20}
